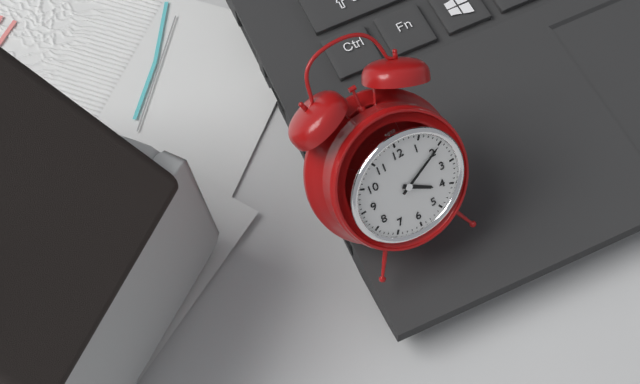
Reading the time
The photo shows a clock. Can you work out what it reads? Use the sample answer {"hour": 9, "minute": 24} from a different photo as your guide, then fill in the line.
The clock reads {"hour": 4, "minute": 10}
